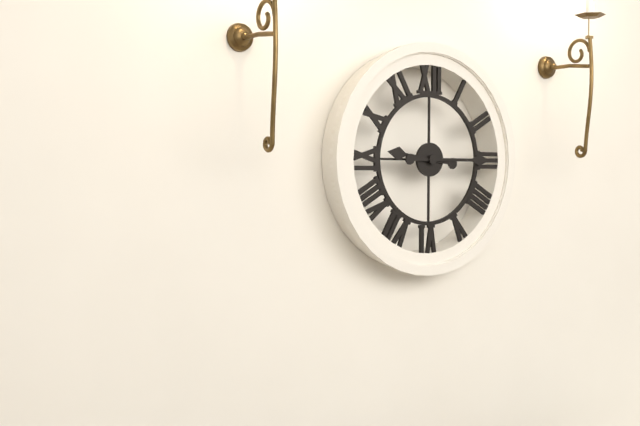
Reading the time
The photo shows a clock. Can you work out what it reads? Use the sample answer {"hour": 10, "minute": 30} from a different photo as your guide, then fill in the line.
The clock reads {"hour": 9, "minute": 15}
